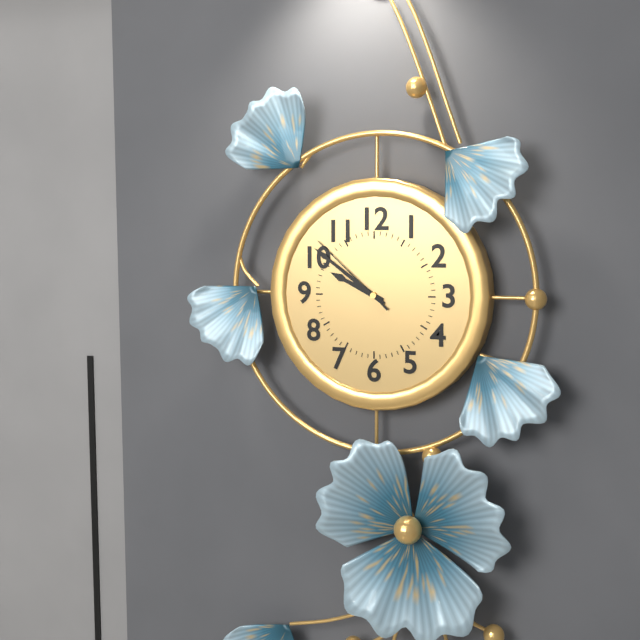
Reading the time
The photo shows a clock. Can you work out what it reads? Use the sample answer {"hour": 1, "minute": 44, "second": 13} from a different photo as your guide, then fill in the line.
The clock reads {"hour": 9, "minute": 51, "second": 52}
